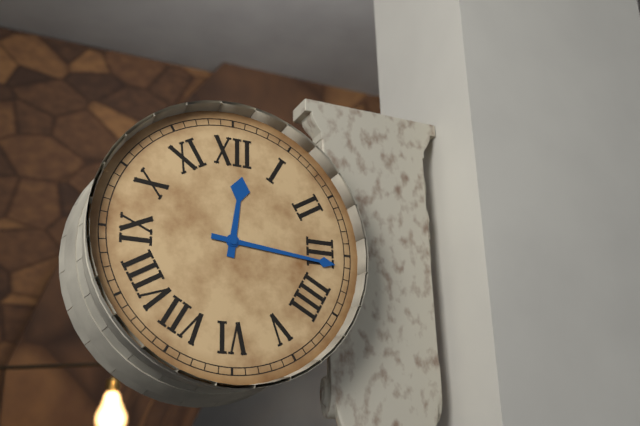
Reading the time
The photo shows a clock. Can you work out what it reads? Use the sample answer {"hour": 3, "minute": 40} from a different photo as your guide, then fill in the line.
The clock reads {"hour": 12, "minute": 16}
